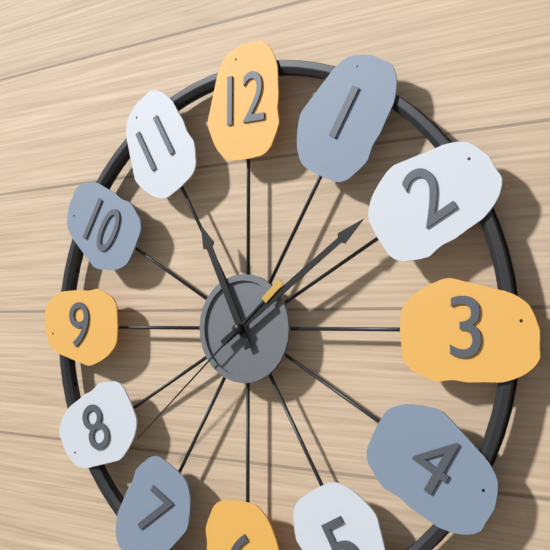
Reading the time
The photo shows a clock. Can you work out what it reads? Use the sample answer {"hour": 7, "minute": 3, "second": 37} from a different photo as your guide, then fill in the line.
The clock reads {"hour": 11, "minute": 9, "second": 38}
